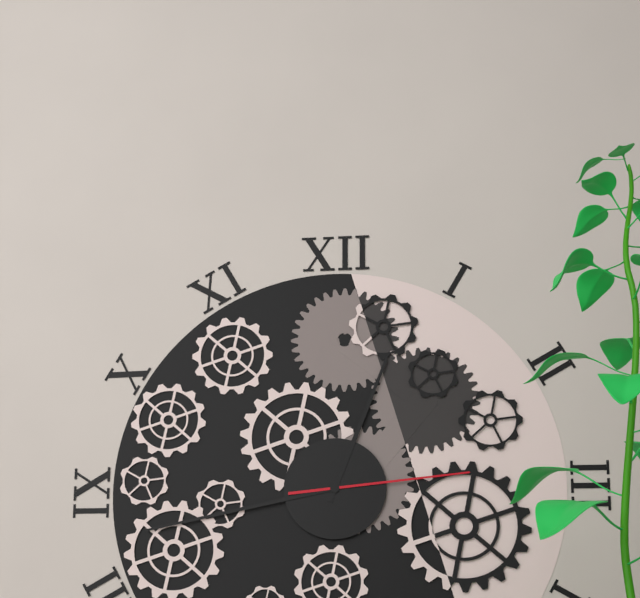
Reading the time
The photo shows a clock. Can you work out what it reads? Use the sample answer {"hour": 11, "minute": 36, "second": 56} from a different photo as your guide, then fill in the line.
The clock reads {"hour": 12, "minute": 43, "second": 14}
